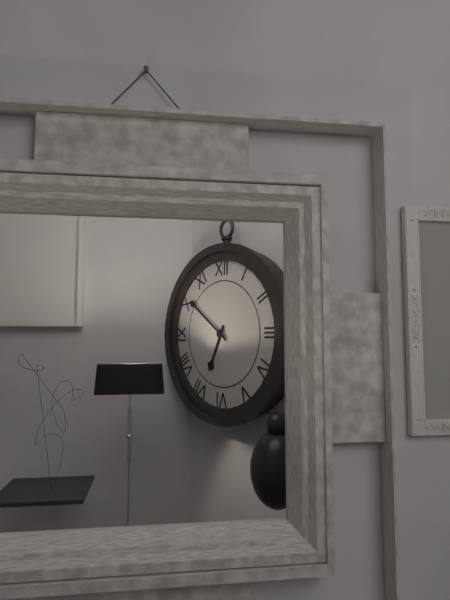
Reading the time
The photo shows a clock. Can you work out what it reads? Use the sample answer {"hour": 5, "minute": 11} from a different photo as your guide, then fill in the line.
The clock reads {"hour": 6, "minute": 51}
